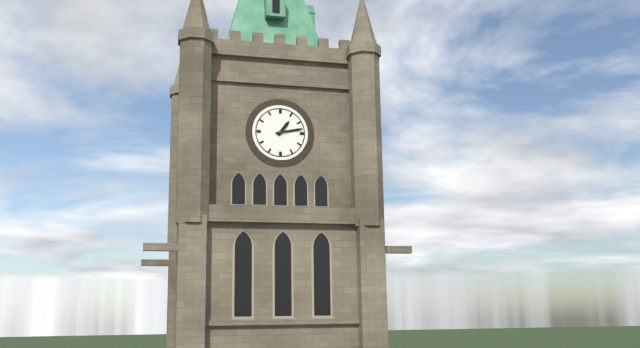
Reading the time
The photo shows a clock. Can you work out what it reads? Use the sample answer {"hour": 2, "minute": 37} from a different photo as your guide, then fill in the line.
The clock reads {"hour": 1, "minute": 13}
